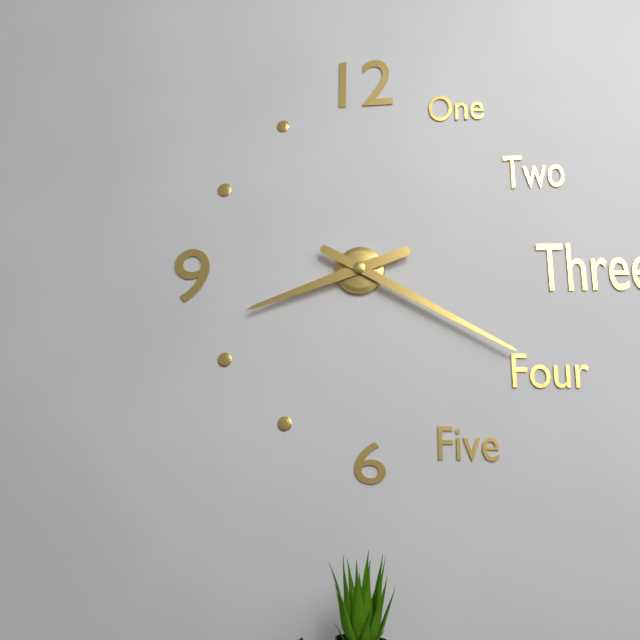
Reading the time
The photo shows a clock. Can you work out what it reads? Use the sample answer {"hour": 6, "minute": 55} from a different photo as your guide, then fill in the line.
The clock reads {"hour": 8, "minute": 20}
